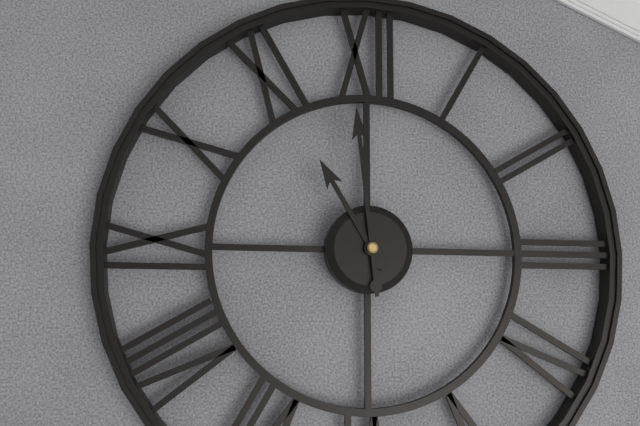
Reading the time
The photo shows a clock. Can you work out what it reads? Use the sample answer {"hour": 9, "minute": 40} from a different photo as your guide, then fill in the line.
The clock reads {"hour": 10, "minute": 59}
